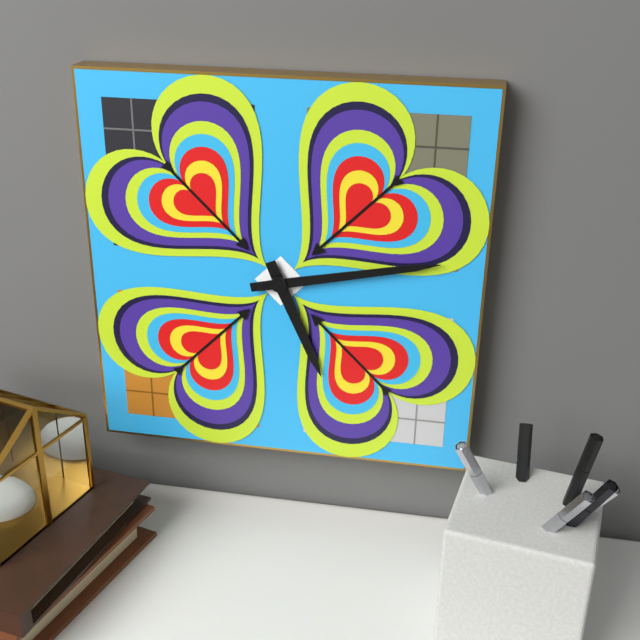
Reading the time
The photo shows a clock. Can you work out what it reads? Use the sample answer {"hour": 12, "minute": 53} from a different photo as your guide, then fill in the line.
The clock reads {"hour": 5, "minute": 13}
